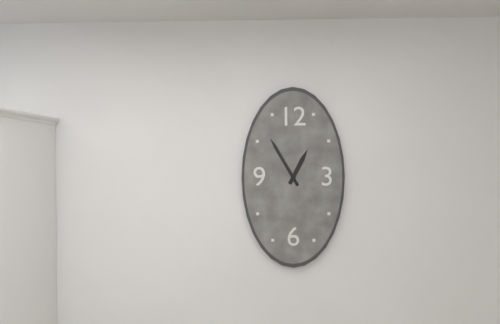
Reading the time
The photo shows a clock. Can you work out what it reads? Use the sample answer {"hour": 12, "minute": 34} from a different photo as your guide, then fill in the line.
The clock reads {"hour": 12, "minute": 55}
